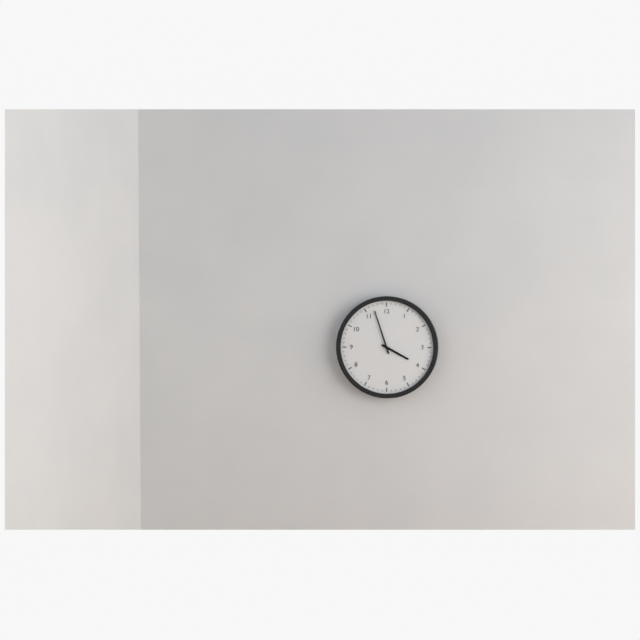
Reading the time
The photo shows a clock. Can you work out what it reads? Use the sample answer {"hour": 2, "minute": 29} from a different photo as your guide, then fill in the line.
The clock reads {"hour": 3, "minute": 57}
